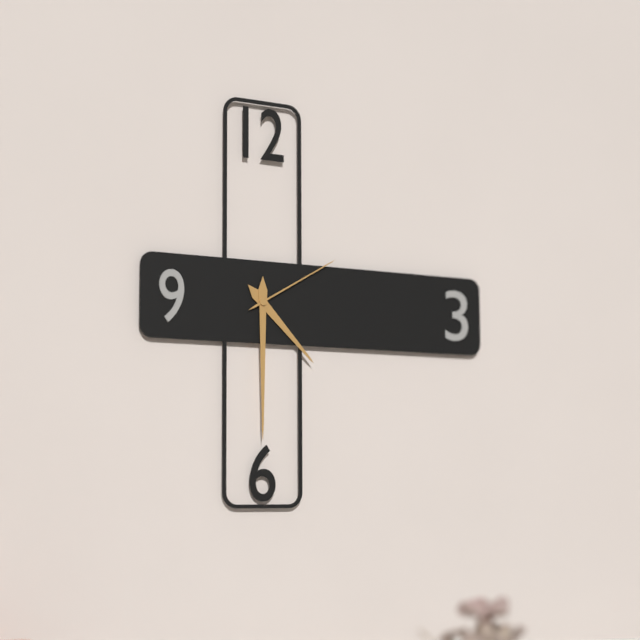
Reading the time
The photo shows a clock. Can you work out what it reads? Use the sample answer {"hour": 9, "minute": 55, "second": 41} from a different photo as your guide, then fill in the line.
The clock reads {"hour": 4, "minute": 30, "second": 10}
